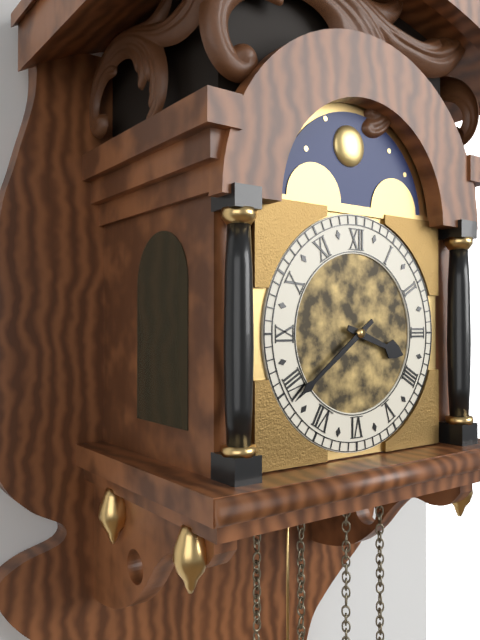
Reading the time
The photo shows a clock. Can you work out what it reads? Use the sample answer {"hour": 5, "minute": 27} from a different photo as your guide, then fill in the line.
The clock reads {"hour": 3, "minute": 39}
